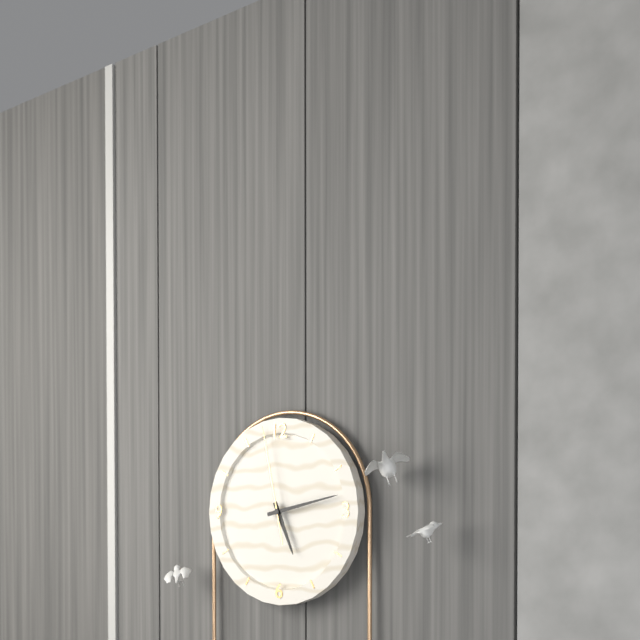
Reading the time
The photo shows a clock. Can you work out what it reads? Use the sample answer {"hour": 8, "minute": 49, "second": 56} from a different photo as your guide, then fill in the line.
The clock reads {"hour": 5, "minute": 13, "second": 58}
